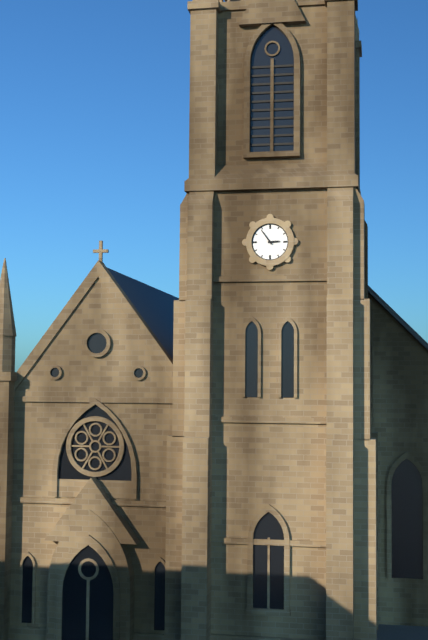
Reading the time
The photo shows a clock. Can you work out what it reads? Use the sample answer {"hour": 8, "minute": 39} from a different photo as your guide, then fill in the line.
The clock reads {"hour": 2, "minute": 54}
